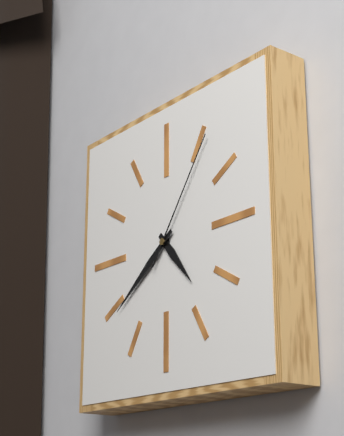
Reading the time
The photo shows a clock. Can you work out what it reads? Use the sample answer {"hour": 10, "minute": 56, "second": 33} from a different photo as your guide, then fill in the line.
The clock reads {"hour": 4, "minute": 39, "second": 6}
